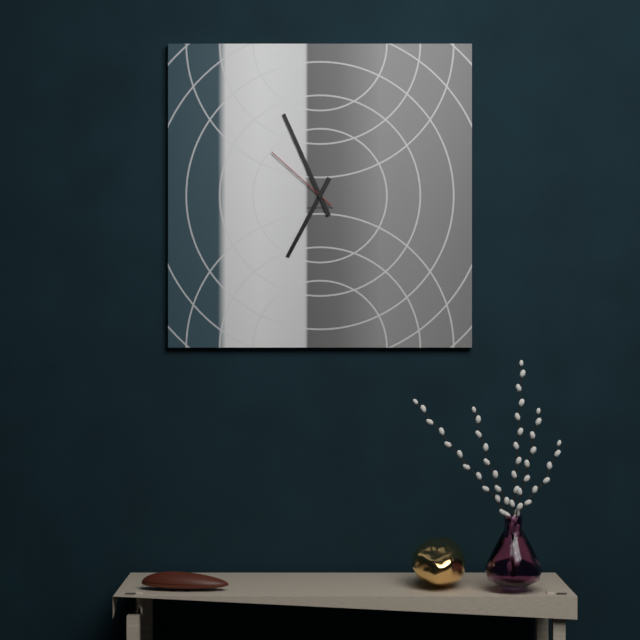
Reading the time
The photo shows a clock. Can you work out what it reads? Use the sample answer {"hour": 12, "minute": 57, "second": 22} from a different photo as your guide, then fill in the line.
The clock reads {"hour": 6, "minute": 56, "second": 52}
